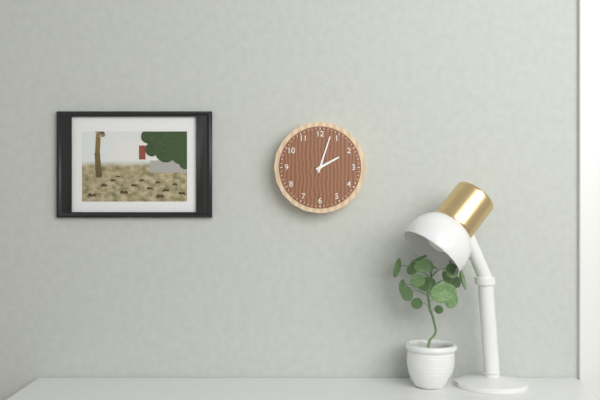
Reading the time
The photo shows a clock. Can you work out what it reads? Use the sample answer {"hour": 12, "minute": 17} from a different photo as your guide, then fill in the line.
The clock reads {"hour": 2, "minute": 3}
